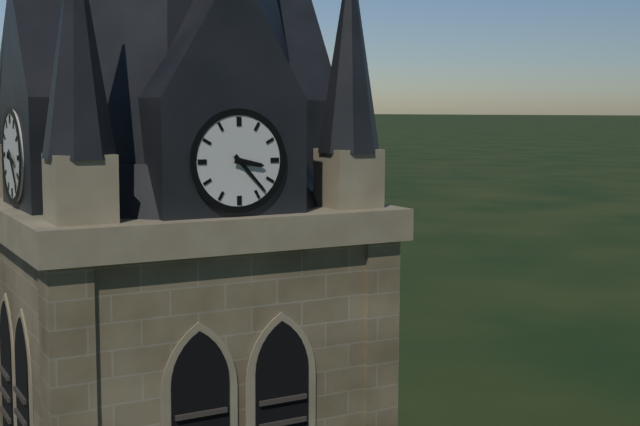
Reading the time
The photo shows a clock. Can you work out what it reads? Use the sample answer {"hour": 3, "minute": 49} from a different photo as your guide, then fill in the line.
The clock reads {"hour": 3, "minute": 23}
